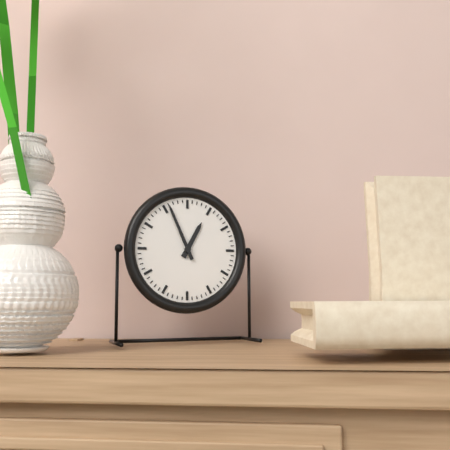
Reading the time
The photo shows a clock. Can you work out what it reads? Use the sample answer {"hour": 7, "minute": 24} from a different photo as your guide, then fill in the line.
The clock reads {"hour": 12, "minute": 56}
